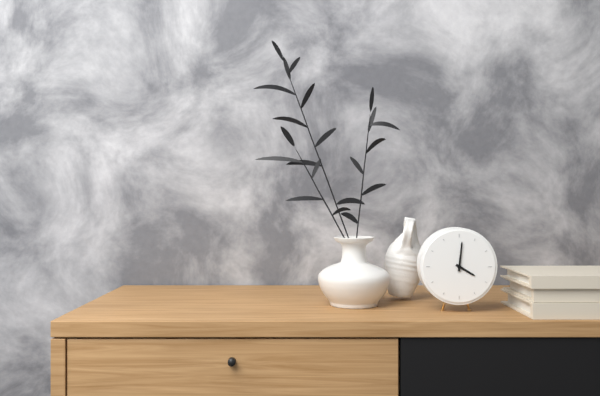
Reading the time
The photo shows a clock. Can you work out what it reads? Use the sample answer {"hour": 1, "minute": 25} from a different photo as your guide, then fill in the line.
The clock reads {"hour": 4, "minute": 1}
